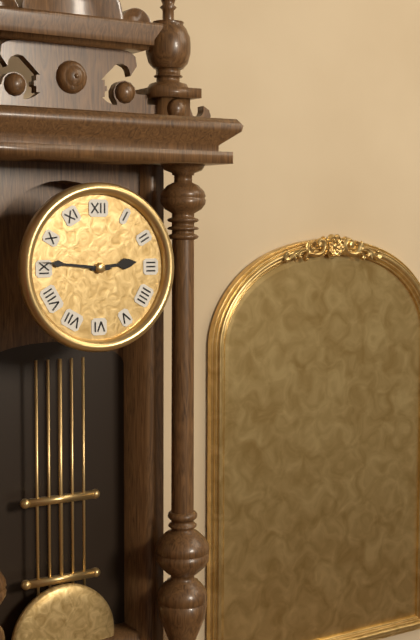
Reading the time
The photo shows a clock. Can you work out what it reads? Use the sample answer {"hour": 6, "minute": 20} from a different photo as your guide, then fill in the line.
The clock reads {"hour": 2, "minute": 46}
